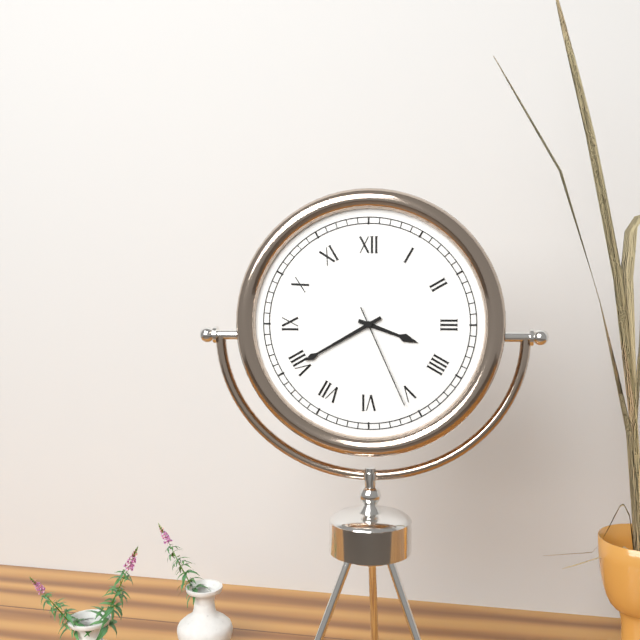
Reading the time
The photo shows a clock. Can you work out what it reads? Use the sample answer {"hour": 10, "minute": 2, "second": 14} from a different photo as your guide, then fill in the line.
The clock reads {"hour": 3, "minute": 40, "second": 26}
